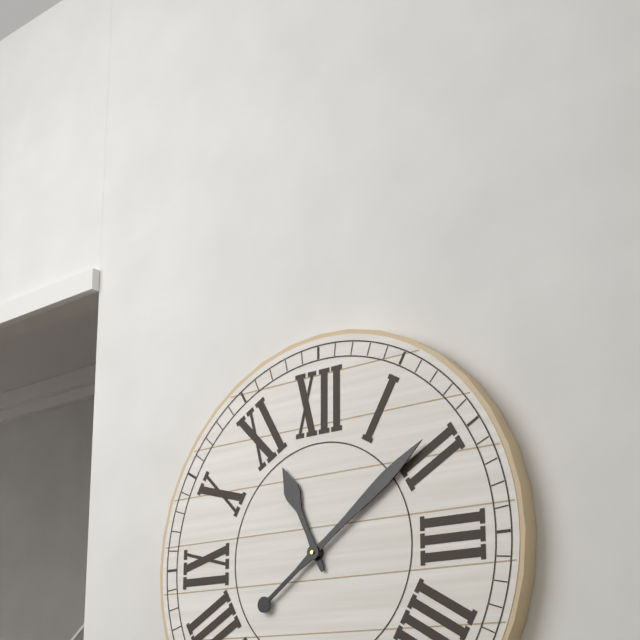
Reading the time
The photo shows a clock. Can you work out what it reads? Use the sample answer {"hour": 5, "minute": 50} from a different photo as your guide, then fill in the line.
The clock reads {"hour": 11, "minute": 9}
